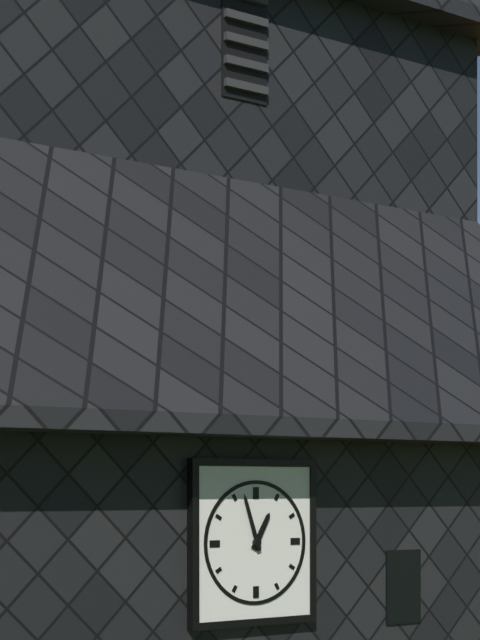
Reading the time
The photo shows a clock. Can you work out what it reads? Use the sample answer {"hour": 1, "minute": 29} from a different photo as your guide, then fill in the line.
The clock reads {"hour": 12, "minute": 57}
